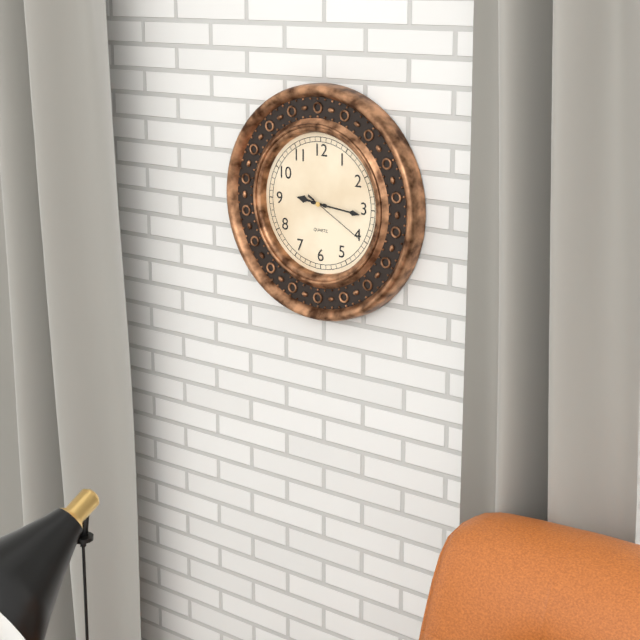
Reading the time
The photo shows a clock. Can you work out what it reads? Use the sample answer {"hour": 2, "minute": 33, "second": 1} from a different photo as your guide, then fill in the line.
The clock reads {"hour": 9, "minute": 16, "second": 20}
